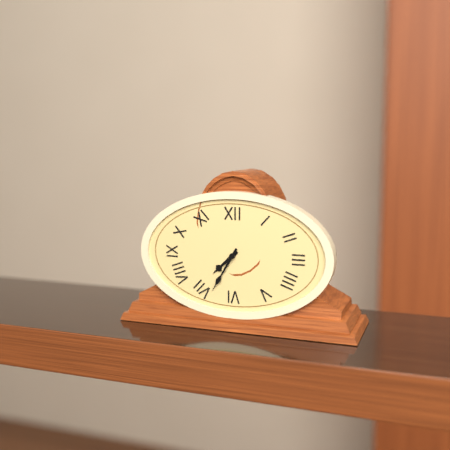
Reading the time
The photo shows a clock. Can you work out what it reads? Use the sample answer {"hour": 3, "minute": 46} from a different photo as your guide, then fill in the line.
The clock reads {"hour": 7, "minute": 35}
